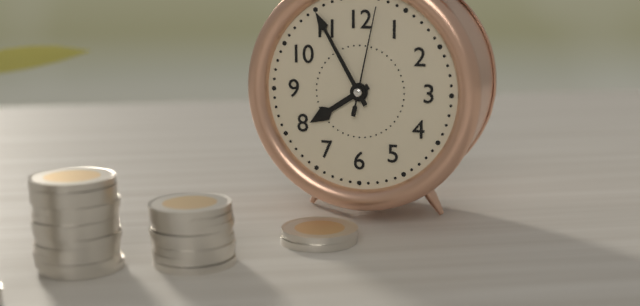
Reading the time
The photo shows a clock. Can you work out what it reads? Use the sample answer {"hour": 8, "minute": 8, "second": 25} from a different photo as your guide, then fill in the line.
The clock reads {"hour": 7, "minute": 55, "second": 2}
